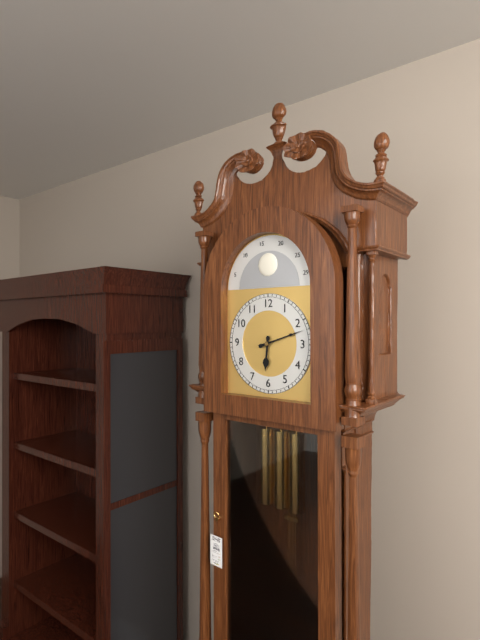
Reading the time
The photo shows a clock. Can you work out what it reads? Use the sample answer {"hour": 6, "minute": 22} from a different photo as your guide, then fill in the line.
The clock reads {"hour": 6, "minute": 12}
